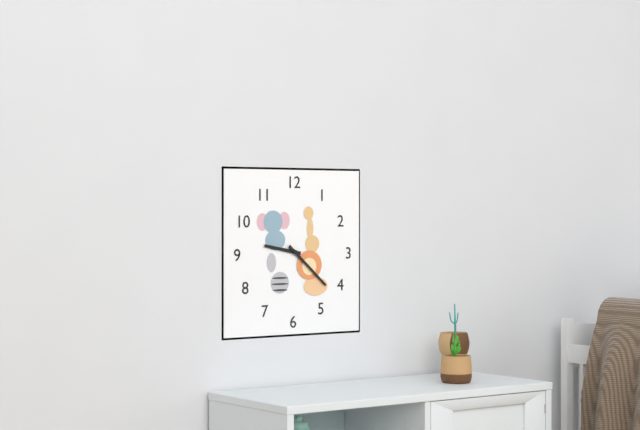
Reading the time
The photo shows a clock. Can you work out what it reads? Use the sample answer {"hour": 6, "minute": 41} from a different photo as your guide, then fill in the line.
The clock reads {"hour": 9, "minute": 22}
